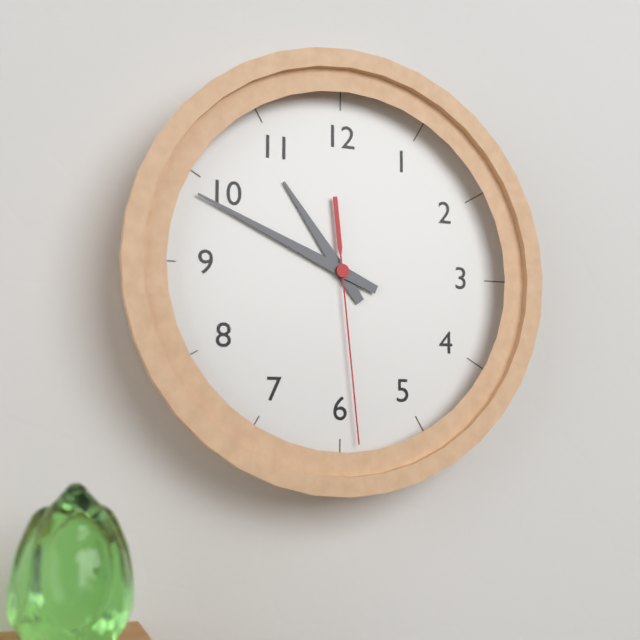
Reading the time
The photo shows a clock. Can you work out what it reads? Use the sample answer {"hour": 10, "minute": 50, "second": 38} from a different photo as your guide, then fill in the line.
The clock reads {"hour": 10, "minute": 49, "second": 29}
